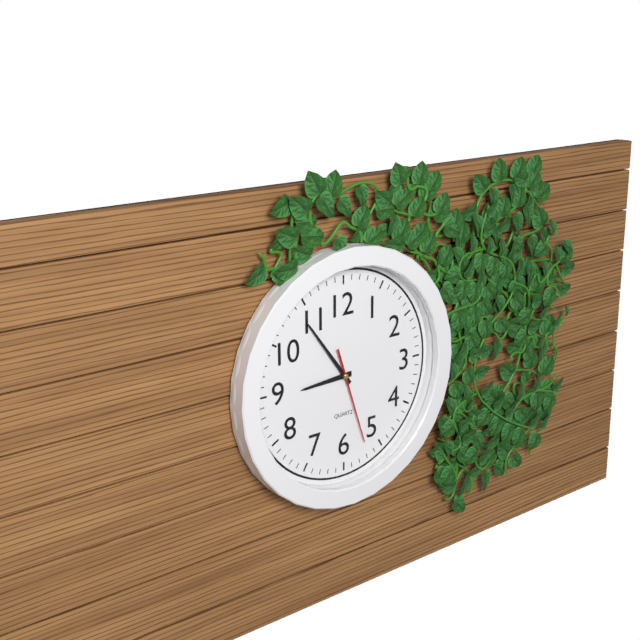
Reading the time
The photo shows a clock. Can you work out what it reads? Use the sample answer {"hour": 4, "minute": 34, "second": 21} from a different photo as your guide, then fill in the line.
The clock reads {"hour": 8, "minute": 54, "second": 27}
